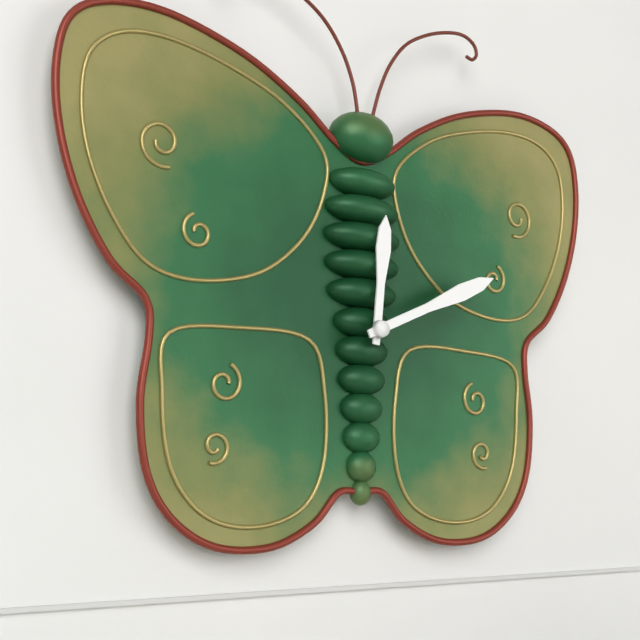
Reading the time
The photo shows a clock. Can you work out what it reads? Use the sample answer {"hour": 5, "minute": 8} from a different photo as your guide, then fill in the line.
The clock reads {"hour": 12, "minute": 11}
